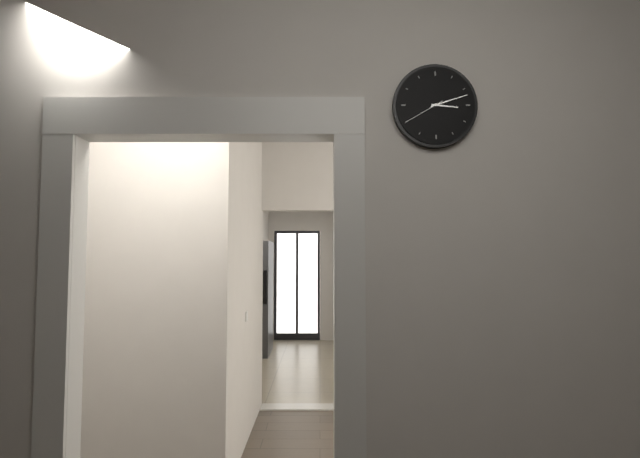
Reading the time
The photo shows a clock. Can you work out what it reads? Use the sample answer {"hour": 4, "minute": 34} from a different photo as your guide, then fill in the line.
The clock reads {"hour": 3, "minute": 12}
